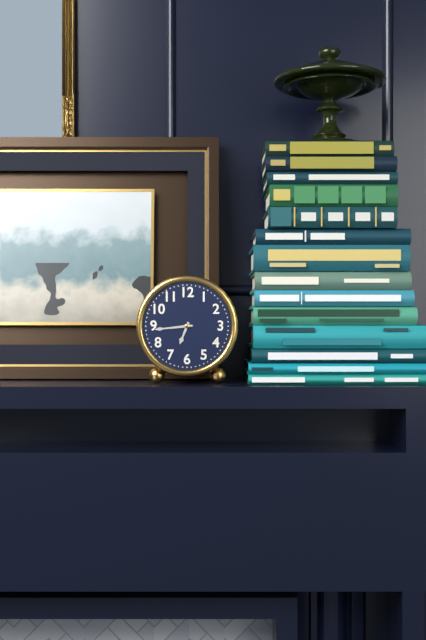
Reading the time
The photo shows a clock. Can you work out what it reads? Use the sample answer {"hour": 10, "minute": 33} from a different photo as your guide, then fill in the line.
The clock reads {"hour": 6, "minute": 44}
